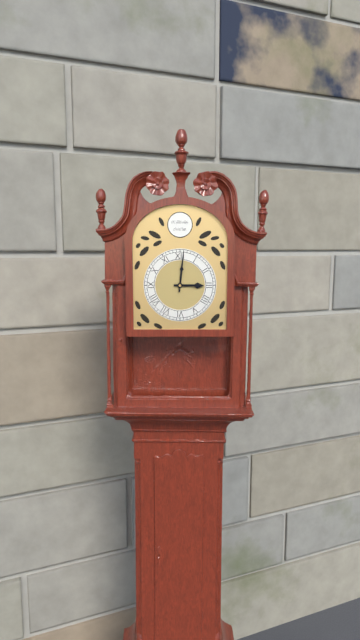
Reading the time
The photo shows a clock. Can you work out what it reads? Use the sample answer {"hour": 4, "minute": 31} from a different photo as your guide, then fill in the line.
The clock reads {"hour": 3, "minute": 1}
